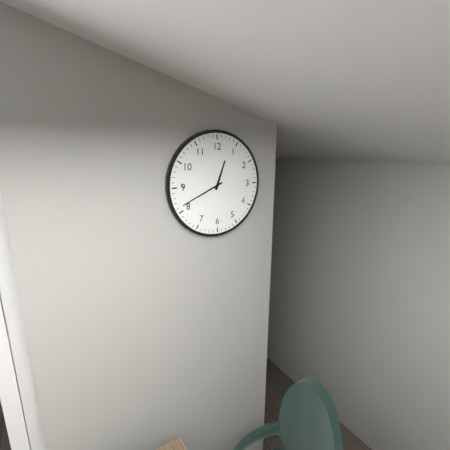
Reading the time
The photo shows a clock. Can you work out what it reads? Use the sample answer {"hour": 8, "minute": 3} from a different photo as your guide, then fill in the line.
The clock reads {"hour": 12, "minute": 41}
